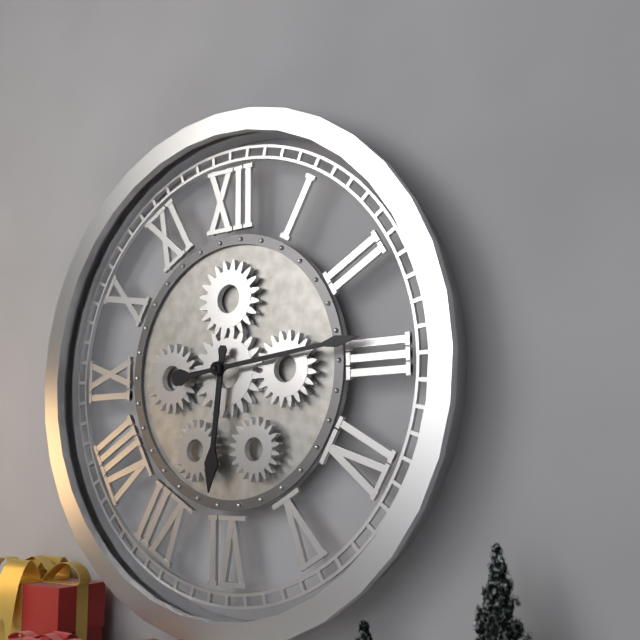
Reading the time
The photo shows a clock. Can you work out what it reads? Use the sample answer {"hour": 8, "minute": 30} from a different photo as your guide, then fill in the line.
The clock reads {"hour": 6, "minute": 14}
